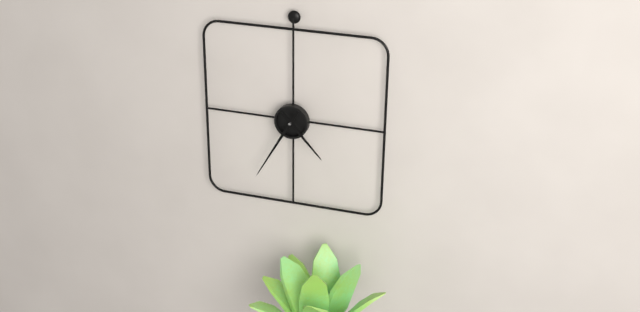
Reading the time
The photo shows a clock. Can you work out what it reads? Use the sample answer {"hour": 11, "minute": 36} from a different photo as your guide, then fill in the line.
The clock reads {"hour": 4, "minute": 35}
